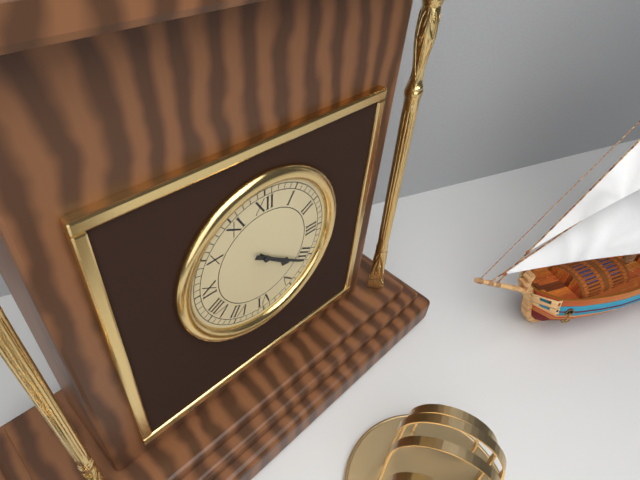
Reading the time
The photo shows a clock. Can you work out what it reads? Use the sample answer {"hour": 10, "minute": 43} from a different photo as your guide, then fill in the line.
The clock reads {"hour": 4, "minute": 21}
